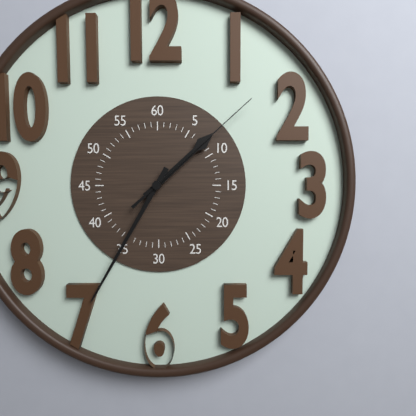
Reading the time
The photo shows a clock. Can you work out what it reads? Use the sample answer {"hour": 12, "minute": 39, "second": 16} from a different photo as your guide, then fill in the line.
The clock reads {"hour": 1, "minute": 35, "second": 8}
